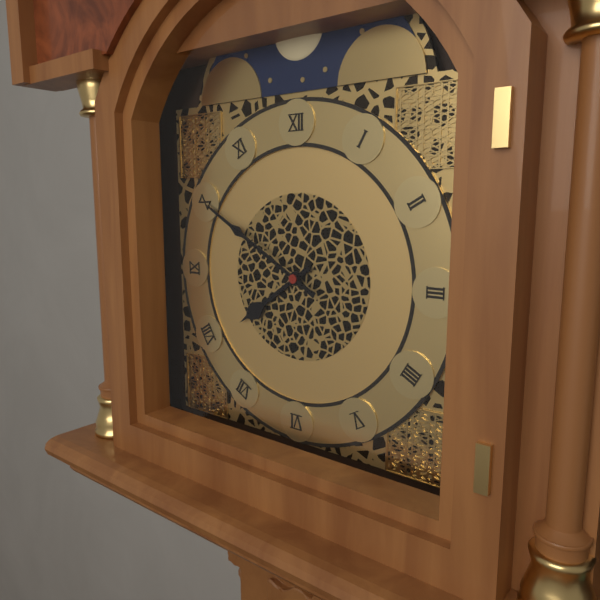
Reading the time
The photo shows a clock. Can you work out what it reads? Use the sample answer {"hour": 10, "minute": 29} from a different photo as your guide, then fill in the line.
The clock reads {"hour": 7, "minute": 50}
